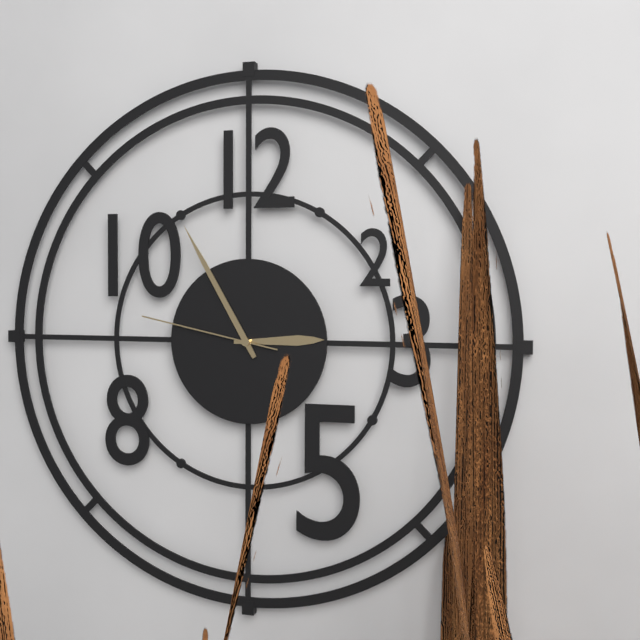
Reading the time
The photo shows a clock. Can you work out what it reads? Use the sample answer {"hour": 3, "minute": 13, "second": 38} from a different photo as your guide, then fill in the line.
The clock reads {"hour": 2, "minute": 55, "second": 47}
